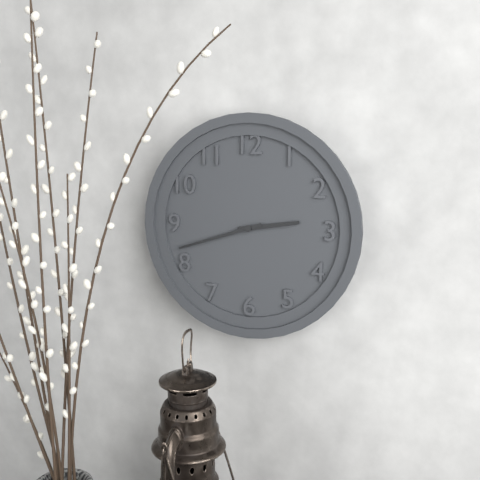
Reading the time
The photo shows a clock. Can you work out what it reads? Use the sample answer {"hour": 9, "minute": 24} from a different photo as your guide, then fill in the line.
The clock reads {"hour": 2, "minute": 42}
